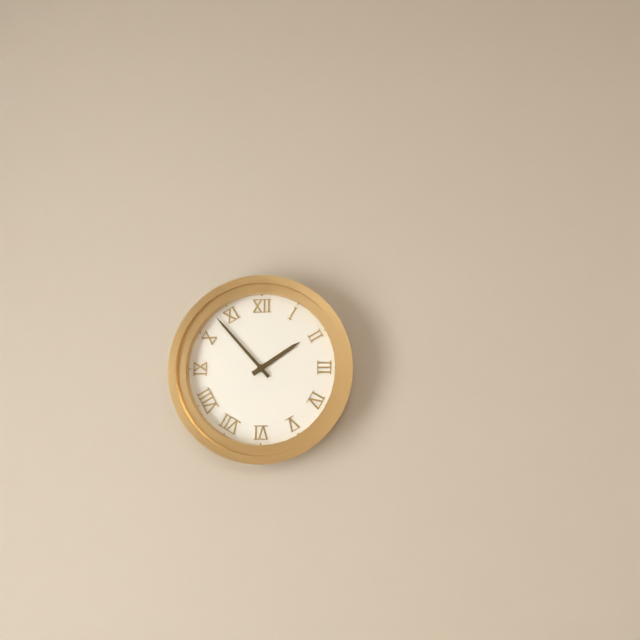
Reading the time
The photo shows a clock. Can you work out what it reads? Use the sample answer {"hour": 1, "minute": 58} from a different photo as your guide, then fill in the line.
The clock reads {"hour": 1, "minute": 53}
